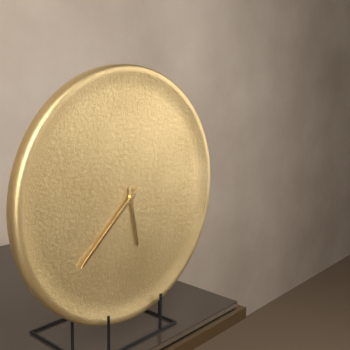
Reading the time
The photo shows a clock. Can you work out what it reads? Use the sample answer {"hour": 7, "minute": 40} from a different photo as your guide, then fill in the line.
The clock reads {"hour": 5, "minute": 38}
